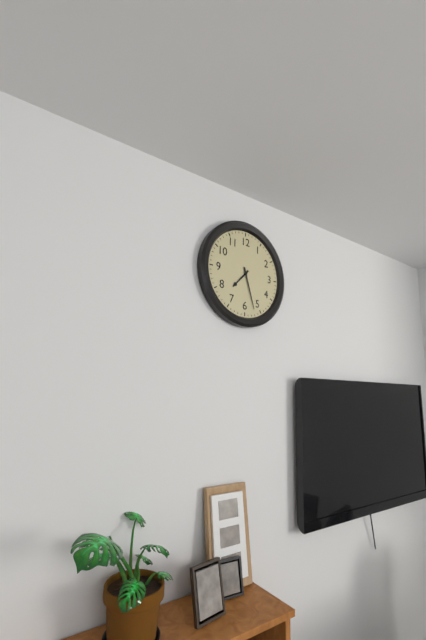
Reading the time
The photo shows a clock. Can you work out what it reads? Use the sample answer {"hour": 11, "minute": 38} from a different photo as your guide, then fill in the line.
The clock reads {"hour": 7, "minute": 27}
